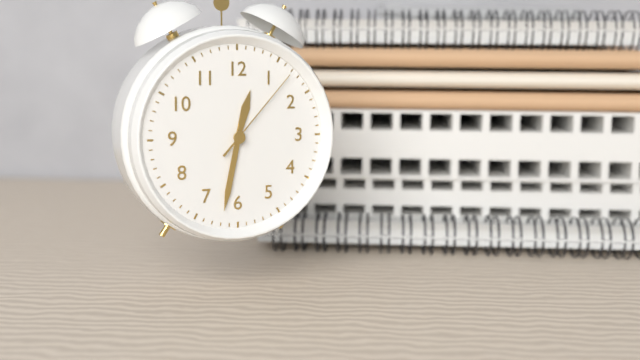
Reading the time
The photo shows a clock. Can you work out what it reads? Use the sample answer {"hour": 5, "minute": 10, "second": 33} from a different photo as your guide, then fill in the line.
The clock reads {"hour": 12, "minute": 32, "second": 7}
